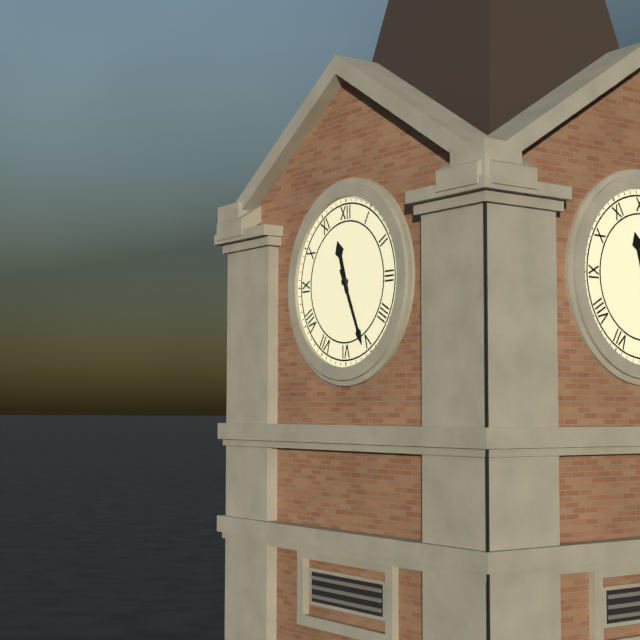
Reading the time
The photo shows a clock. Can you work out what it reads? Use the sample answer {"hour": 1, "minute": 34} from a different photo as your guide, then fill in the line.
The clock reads {"hour": 11, "minute": 26}
